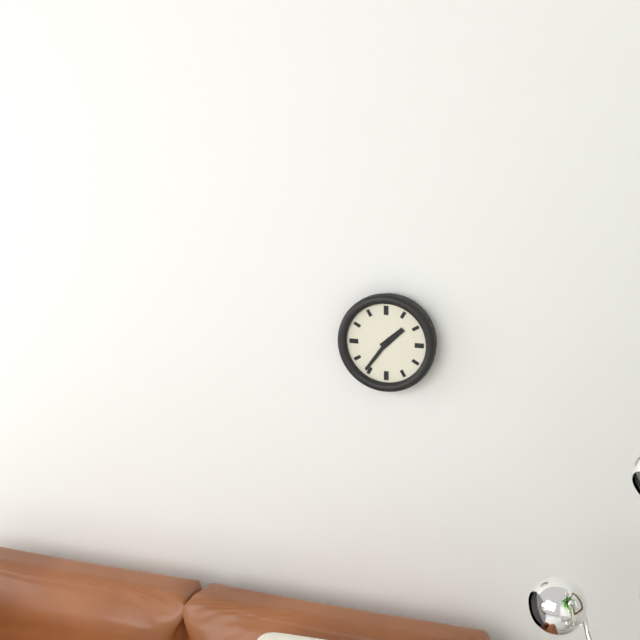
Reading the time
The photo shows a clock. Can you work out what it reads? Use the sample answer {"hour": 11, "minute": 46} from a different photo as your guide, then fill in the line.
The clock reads {"hour": 1, "minute": 36}
